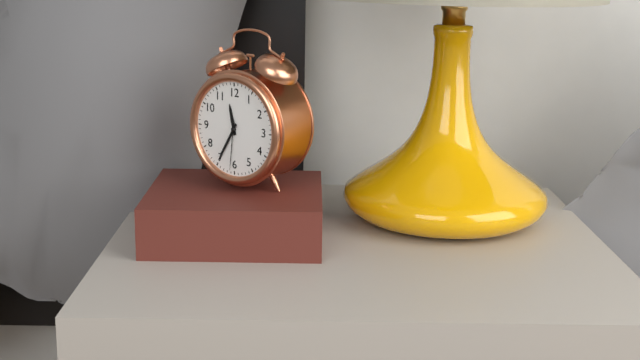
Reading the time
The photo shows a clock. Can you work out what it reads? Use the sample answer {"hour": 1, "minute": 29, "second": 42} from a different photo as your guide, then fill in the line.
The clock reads {"hour": 11, "minute": 35, "second": 31}
